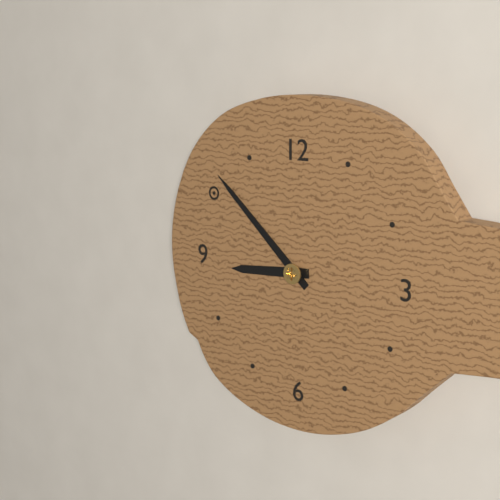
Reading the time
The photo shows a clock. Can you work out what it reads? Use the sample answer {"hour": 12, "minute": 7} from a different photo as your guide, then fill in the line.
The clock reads {"hour": 8, "minute": 52}
